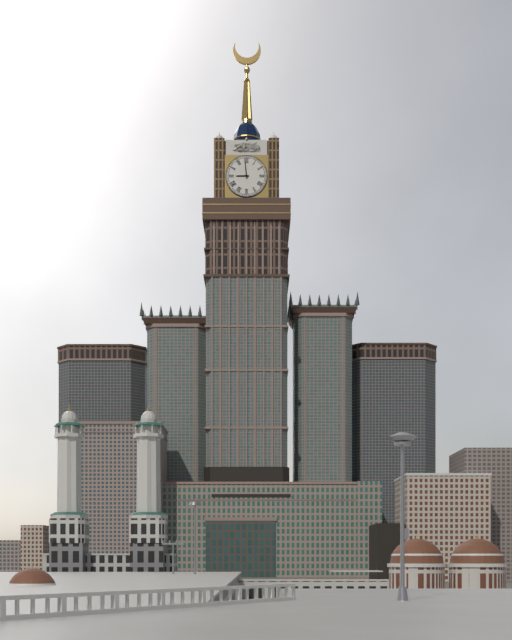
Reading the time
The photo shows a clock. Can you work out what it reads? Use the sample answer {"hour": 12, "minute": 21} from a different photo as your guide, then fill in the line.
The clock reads {"hour": 8, "minute": 59}
